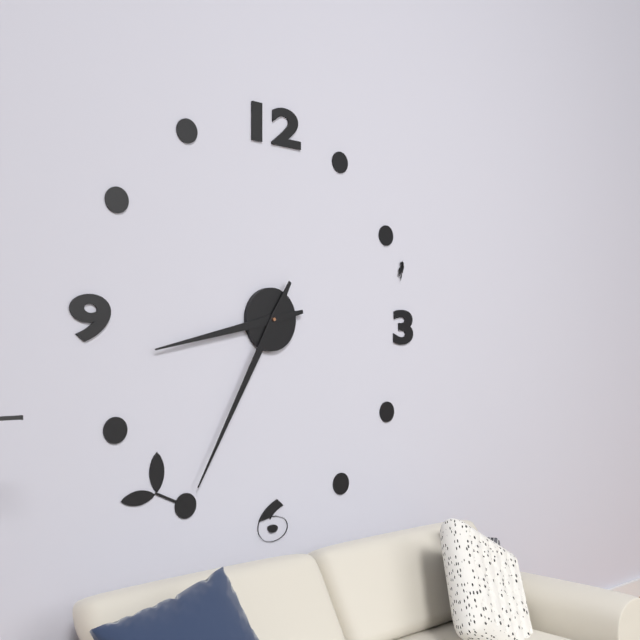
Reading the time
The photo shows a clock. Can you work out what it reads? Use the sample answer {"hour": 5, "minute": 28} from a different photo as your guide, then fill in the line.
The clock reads {"hour": 8, "minute": 35}
